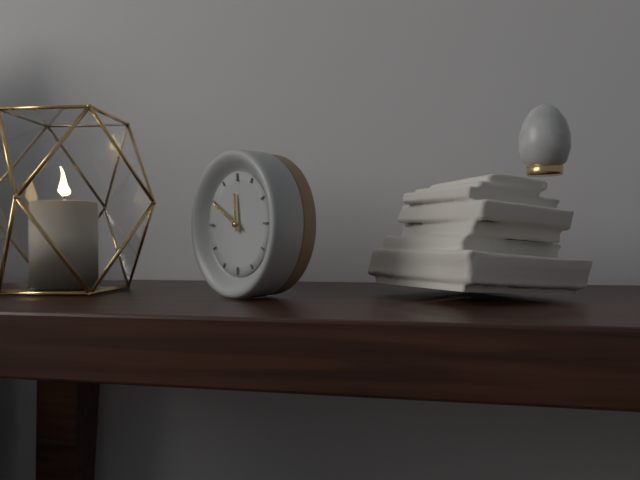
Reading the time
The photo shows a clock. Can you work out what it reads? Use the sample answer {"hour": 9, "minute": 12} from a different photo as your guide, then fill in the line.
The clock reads {"hour": 11, "minute": 50}
